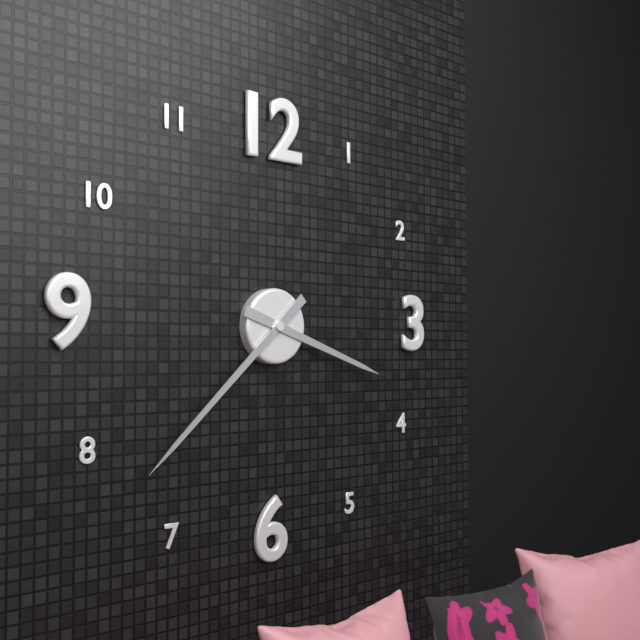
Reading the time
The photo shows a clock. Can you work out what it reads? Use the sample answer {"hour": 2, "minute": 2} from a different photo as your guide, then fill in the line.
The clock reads {"hour": 3, "minute": 38}
